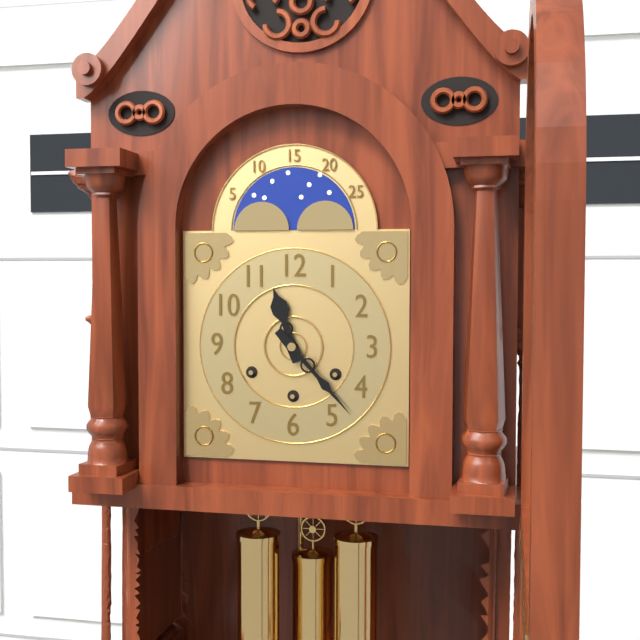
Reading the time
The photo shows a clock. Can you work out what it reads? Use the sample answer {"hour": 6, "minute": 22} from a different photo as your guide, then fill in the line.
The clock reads {"hour": 11, "minute": 23}
